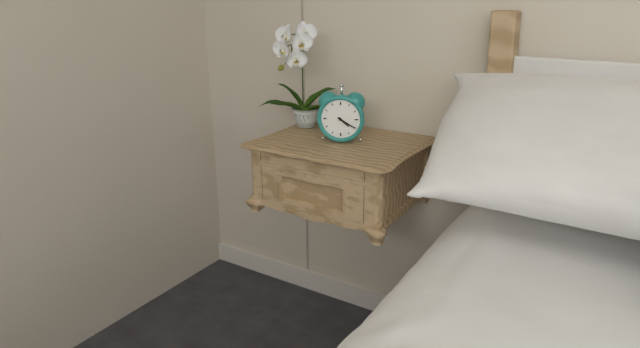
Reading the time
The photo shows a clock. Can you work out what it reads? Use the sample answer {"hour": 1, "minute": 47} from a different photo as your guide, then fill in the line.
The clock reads {"hour": 4, "minute": 20}
